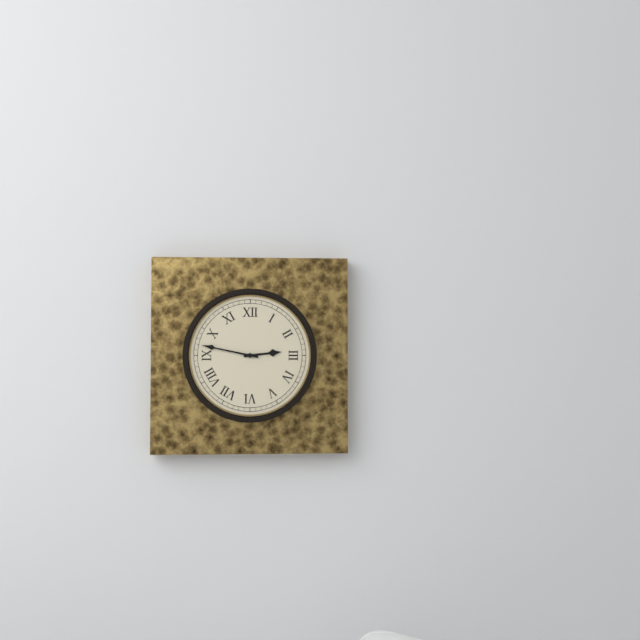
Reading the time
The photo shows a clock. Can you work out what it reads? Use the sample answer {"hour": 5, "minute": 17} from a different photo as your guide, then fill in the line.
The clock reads {"hour": 2, "minute": 47}
